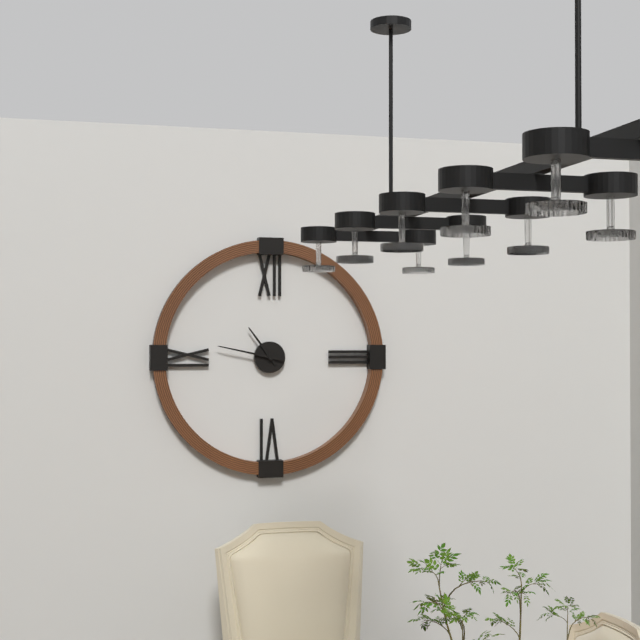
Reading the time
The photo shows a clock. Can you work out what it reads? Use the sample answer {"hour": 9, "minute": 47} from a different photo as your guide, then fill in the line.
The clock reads {"hour": 10, "minute": 47}
